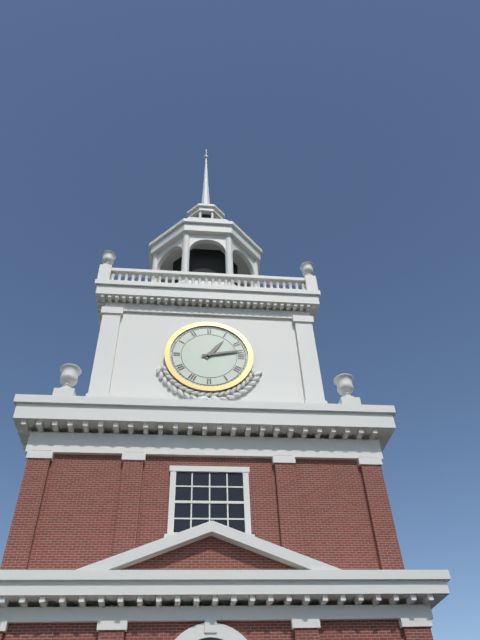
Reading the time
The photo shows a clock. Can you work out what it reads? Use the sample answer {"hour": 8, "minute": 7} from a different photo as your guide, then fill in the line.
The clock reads {"hour": 1, "minute": 13}
